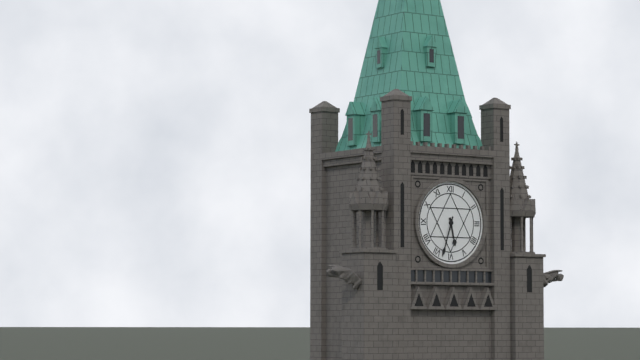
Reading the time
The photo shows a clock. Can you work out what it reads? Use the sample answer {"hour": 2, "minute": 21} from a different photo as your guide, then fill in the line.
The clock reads {"hour": 5, "minute": 33}
